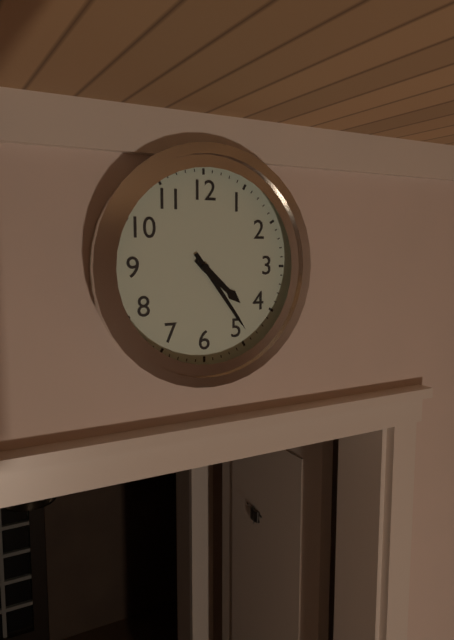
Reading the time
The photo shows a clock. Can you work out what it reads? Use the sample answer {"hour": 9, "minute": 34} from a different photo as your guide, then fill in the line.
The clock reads {"hour": 4, "minute": 24}
